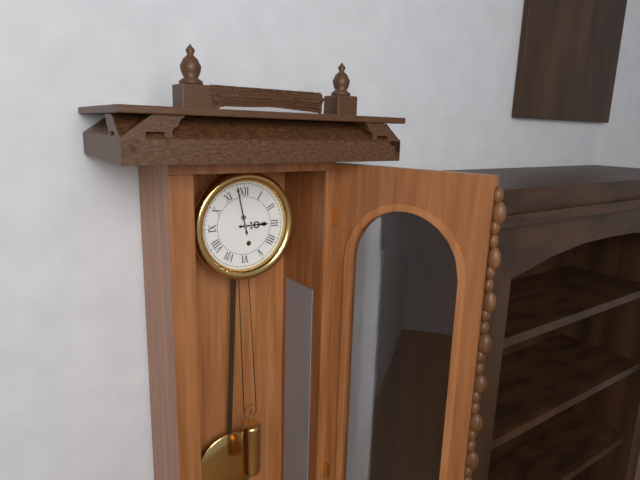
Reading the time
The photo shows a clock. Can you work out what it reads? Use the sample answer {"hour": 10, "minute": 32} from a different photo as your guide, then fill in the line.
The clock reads {"hour": 2, "minute": 58}
